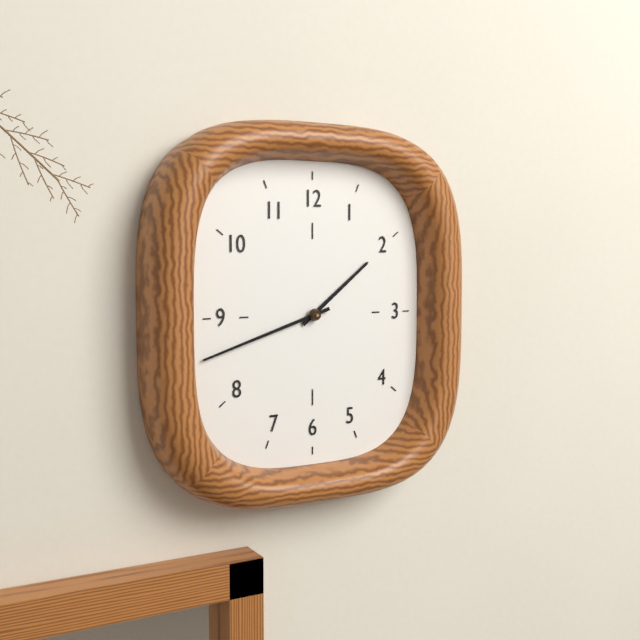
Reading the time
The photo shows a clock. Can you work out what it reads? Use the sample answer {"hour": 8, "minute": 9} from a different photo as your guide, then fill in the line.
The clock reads {"hour": 1, "minute": 42}
